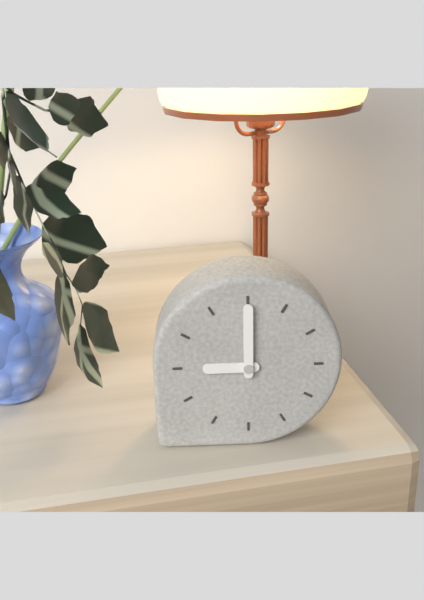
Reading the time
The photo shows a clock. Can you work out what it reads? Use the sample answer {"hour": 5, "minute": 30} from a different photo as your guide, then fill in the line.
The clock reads {"hour": 9, "minute": 0}
